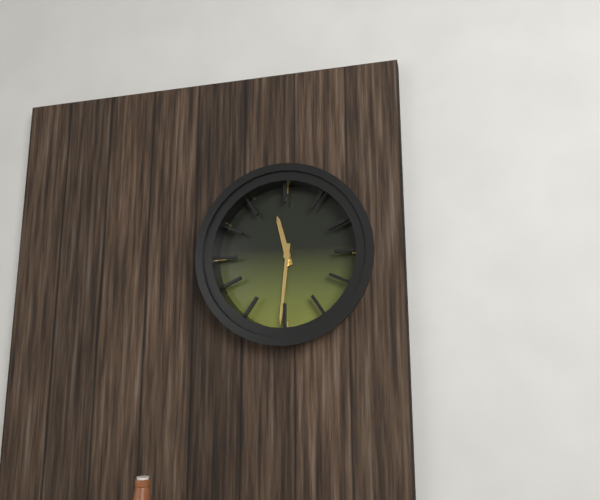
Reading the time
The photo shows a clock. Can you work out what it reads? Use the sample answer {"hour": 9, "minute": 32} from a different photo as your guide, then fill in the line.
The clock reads {"hour": 11, "minute": 31}
